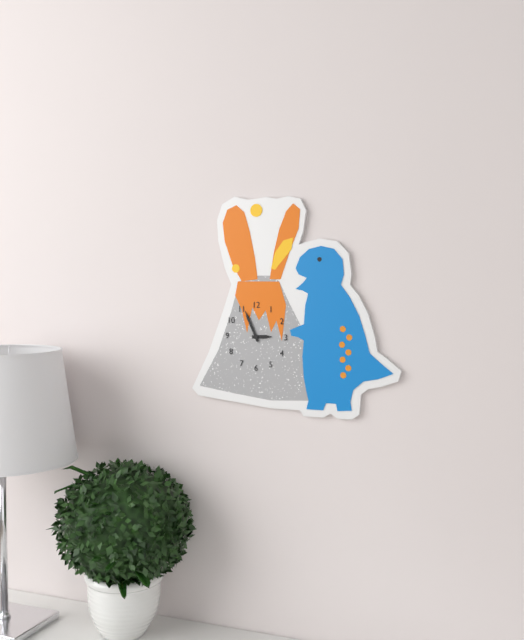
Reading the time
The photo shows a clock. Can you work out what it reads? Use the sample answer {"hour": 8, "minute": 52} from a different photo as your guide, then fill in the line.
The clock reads {"hour": 2, "minute": 56}
